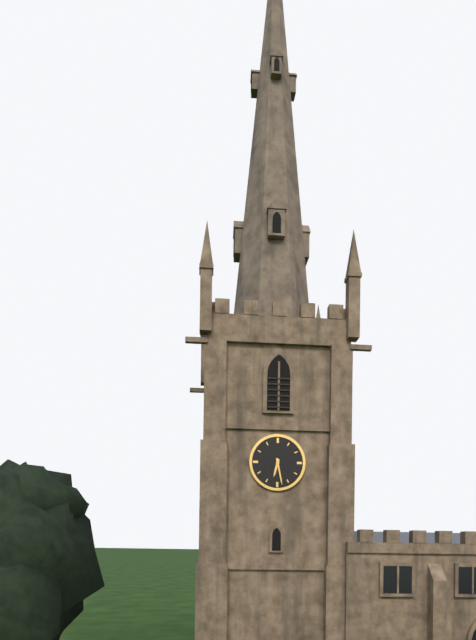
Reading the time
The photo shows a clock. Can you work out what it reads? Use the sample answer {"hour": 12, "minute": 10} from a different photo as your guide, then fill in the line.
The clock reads {"hour": 6, "minute": 28}
